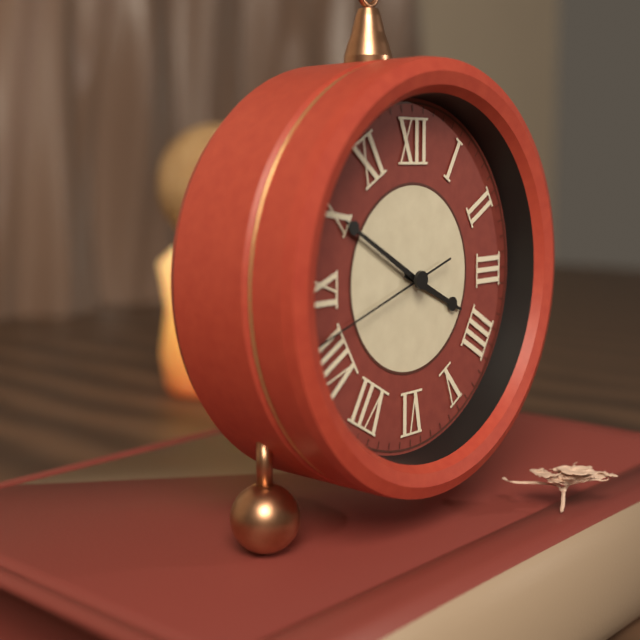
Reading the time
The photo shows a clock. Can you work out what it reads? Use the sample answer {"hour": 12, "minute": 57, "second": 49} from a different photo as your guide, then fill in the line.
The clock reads {"hour": 3, "minute": 50, "second": 42}
